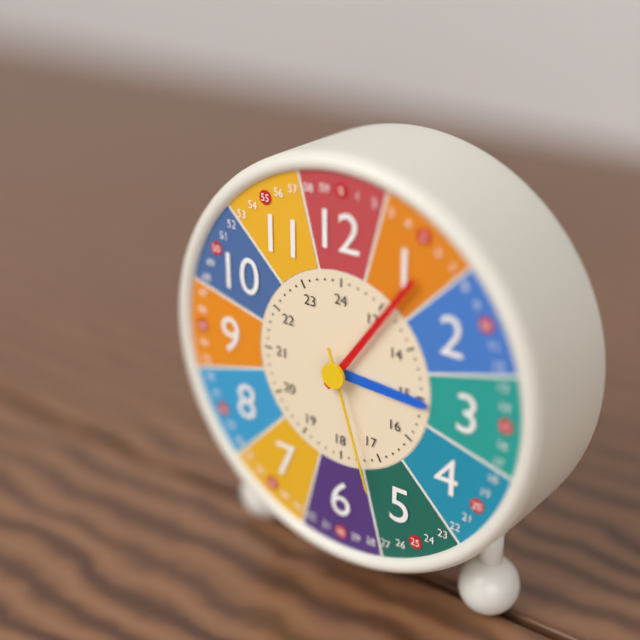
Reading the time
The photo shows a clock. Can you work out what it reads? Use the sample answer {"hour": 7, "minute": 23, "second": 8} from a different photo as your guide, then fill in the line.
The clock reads {"hour": 3, "minute": 6, "second": 27}
